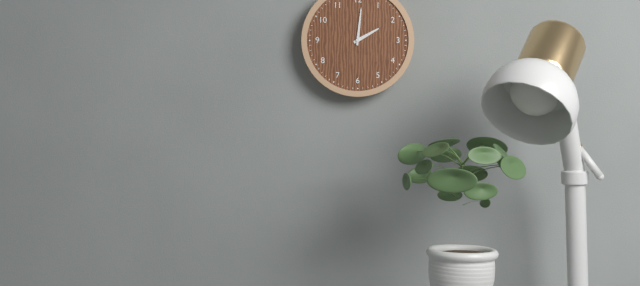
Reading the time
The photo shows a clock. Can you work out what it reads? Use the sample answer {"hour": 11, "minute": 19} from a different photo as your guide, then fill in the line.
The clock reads {"hour": 2, "minute": 1}
